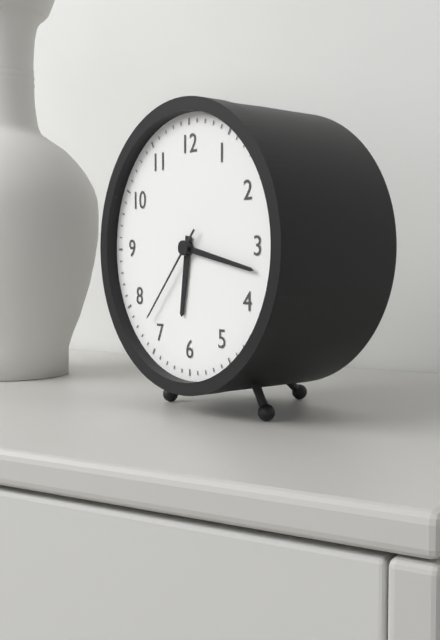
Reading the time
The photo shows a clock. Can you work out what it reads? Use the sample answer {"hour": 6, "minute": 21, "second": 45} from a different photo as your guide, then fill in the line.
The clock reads {"hour": 6, "minute": 17, "second": 37}
